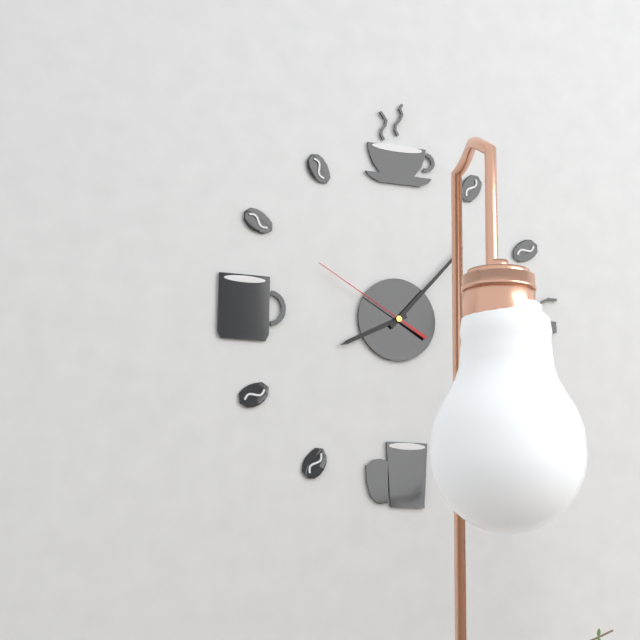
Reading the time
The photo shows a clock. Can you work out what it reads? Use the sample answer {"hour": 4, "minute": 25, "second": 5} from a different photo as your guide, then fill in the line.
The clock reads {"hour": 8, "minute": 7, "second": 50}
